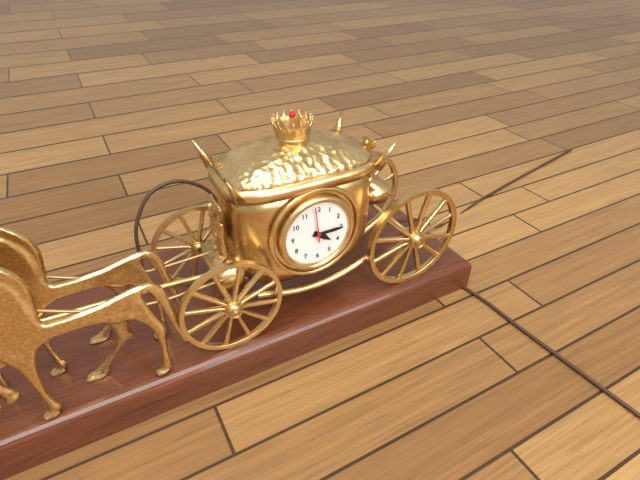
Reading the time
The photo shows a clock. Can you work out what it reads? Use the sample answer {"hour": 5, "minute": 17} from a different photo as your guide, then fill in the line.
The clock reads {"hour": 4, "minute": 15}
